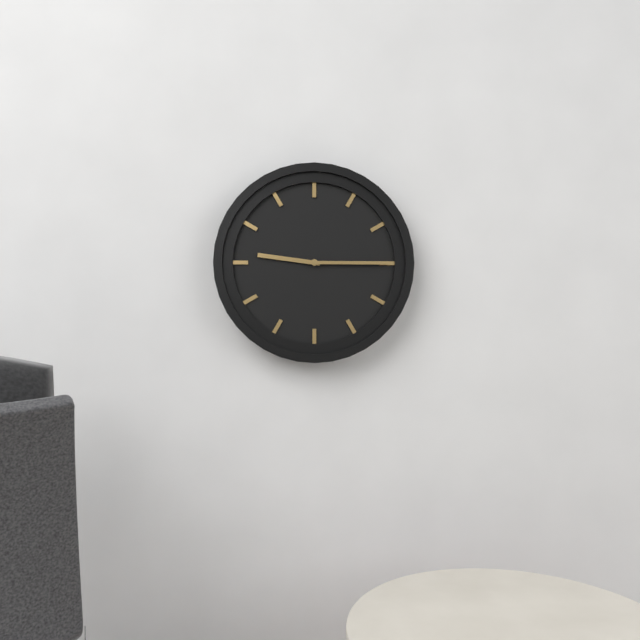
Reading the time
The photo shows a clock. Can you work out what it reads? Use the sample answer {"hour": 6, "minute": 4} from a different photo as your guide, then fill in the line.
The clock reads {"hour": 9, "minute": 15}
